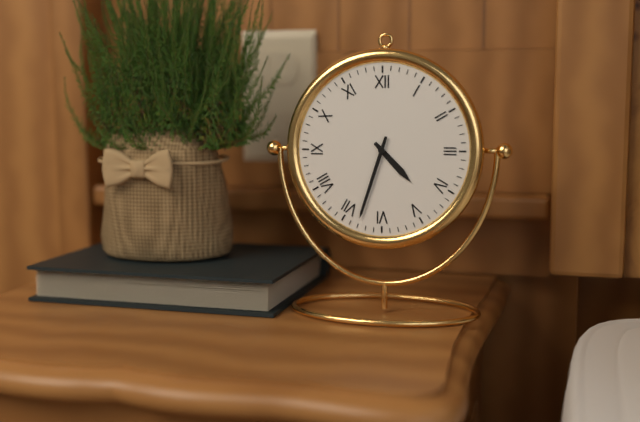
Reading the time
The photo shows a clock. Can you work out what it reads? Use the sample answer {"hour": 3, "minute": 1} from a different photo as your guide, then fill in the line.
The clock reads {"hour": 4, "minute": 33}
